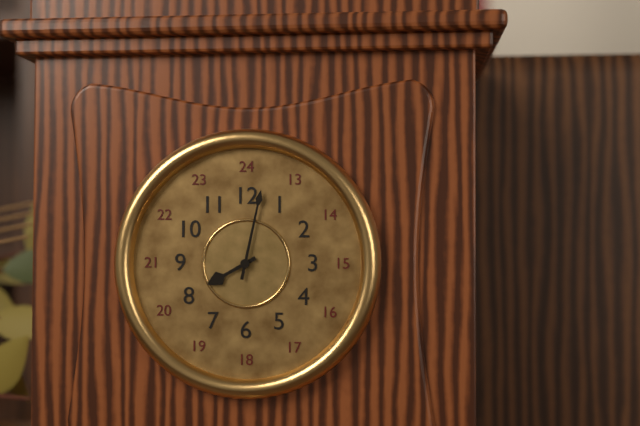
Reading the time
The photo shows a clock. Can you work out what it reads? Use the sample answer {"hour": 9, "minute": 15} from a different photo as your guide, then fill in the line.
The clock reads {"hour": 8, "minute": 2}
